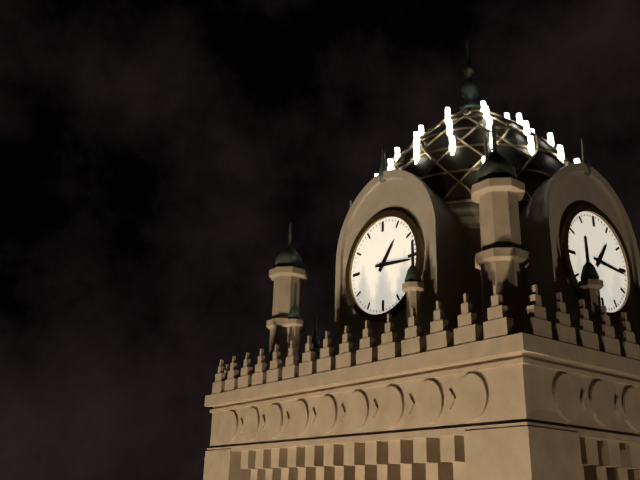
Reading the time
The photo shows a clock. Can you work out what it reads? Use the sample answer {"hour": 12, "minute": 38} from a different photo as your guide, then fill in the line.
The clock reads {"hour": 1, "minute": 16}
